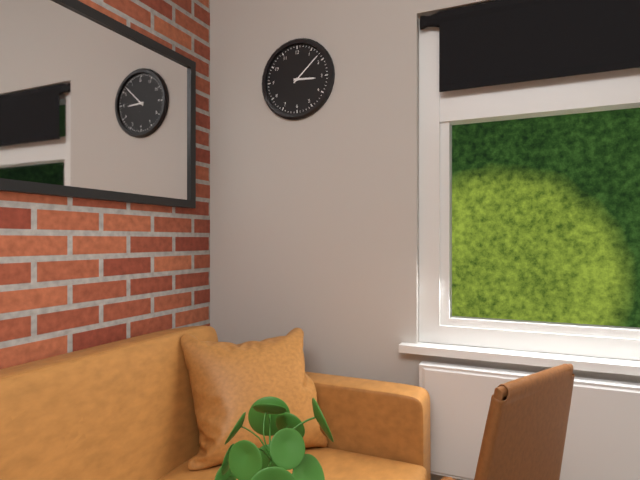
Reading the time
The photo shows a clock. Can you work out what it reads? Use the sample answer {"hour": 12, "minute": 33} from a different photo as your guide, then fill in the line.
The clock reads {"hour": 3, "minute": 8}
